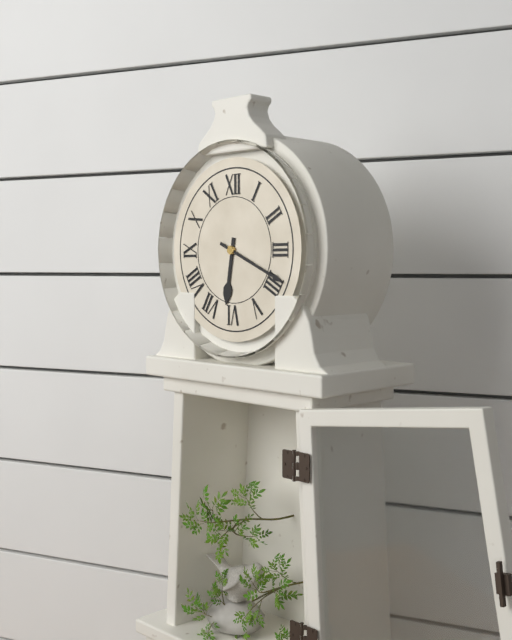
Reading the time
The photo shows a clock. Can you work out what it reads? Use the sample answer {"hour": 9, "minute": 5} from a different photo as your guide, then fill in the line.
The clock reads {"hour": 6, "minute": 19}
